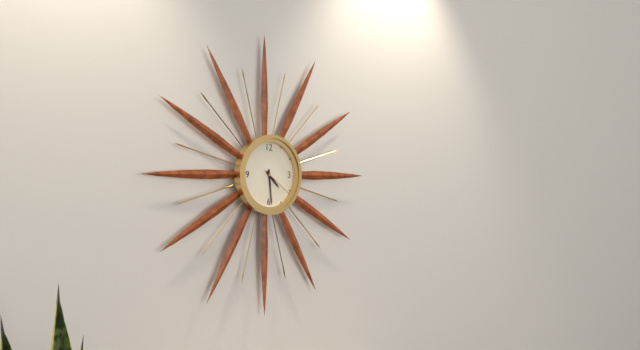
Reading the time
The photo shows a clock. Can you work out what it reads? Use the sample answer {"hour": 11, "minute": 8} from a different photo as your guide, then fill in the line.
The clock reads {"hour": 4, "minute": 29}
